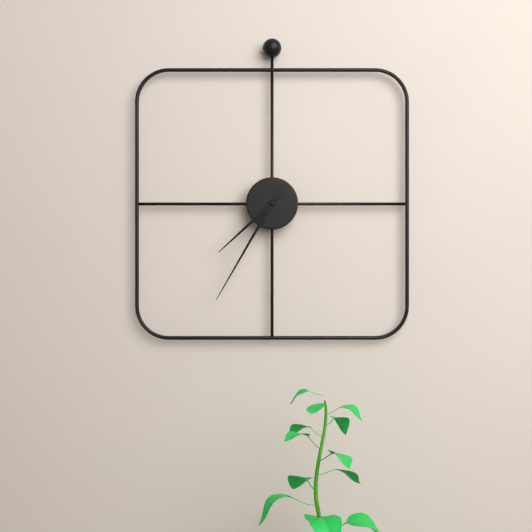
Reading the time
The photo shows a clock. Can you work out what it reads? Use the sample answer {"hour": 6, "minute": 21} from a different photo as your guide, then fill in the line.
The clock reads {"hour": 7, "minute": 35}
